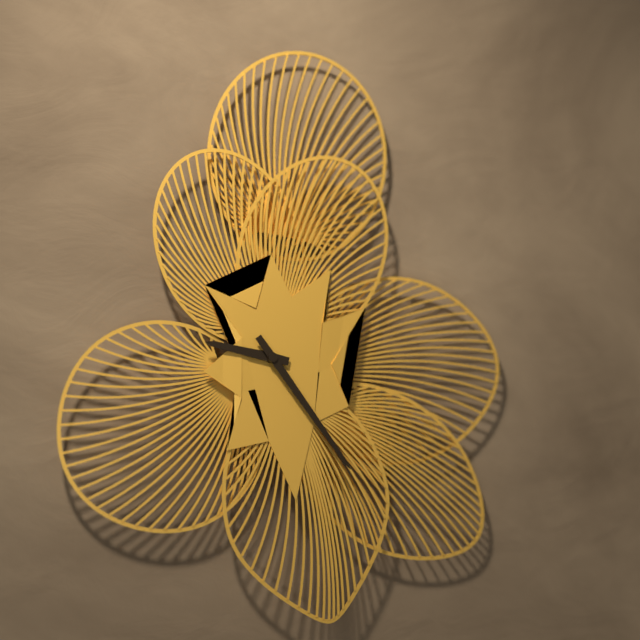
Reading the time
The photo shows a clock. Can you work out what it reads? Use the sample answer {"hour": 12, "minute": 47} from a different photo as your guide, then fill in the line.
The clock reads {"hour": 9, "minute": 24}
